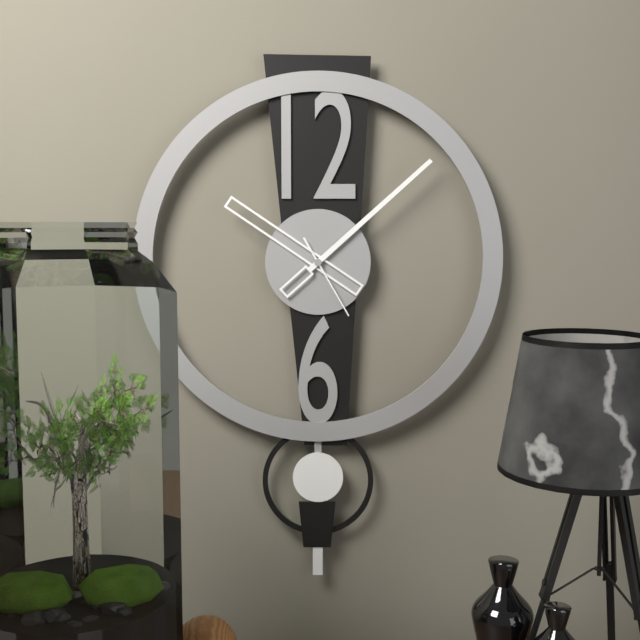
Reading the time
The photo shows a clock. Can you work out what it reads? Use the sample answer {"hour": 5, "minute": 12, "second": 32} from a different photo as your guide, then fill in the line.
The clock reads {"hour": 10, "minute": 8, "second": 25}
